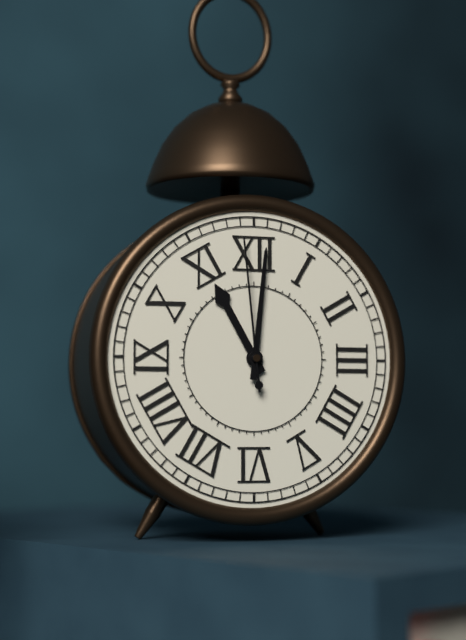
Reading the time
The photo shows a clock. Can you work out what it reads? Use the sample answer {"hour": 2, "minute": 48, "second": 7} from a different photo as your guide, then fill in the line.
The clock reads {"hour": 11, "minute": 1, "second": 59}
